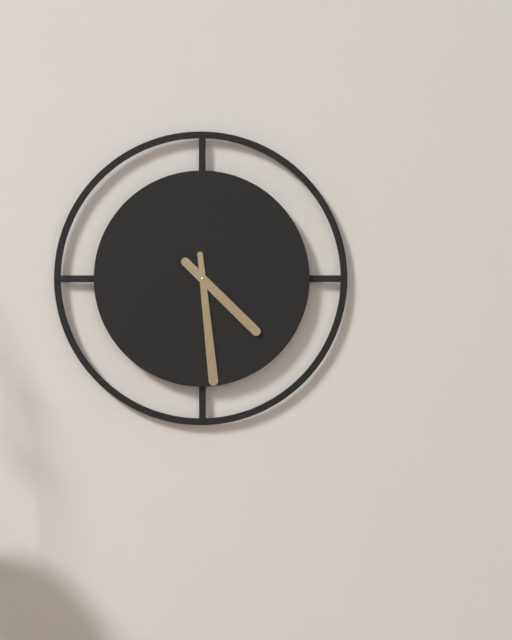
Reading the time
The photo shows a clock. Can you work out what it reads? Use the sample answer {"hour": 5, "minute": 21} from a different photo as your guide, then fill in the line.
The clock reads {"hour": 4, "minute": 29}
